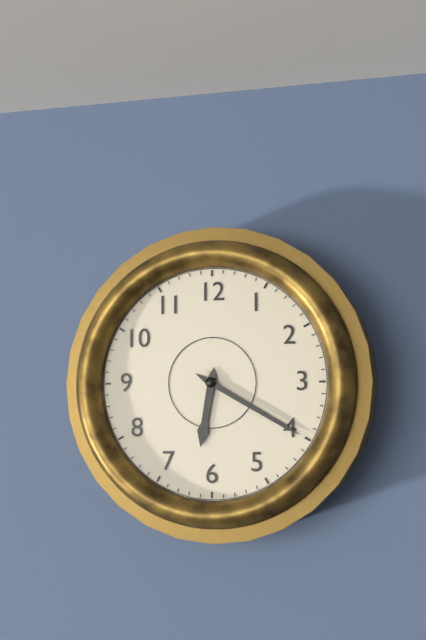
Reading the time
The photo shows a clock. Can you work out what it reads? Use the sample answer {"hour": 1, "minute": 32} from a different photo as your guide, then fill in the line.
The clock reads {"hour": 6, "minute": 20}
